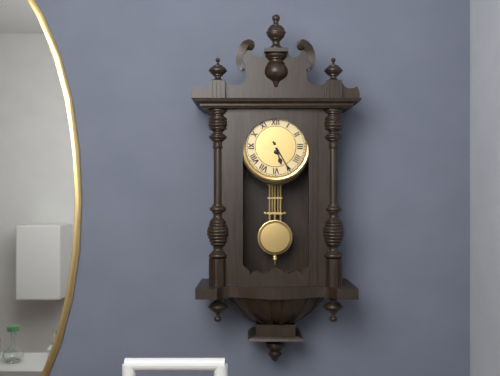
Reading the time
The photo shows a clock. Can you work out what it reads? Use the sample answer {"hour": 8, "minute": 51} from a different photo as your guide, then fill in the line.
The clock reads {"hour": 5, "minute": 25}
